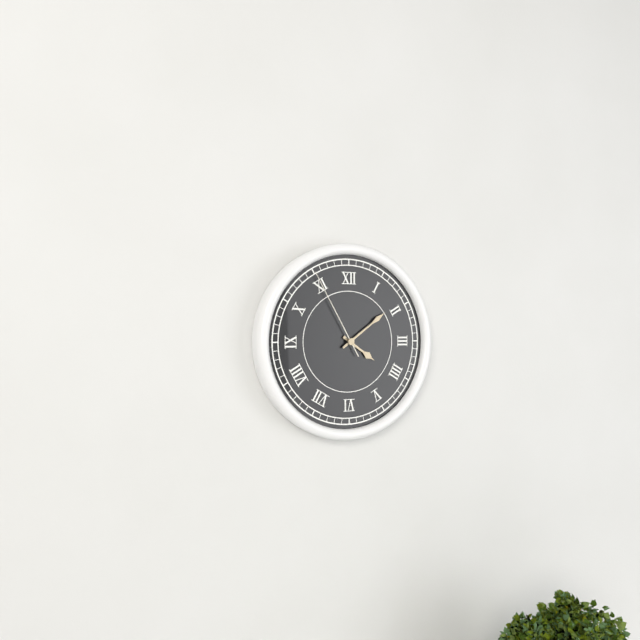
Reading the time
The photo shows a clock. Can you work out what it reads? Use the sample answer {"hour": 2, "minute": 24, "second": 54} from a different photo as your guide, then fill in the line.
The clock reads {"hour": 4, "minute": 9, "second": 55}
